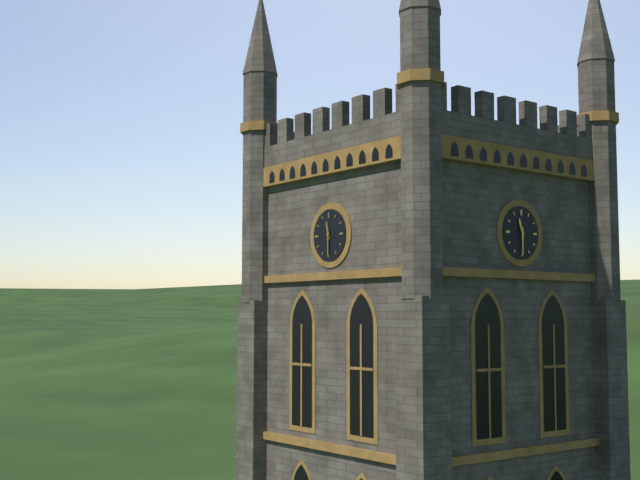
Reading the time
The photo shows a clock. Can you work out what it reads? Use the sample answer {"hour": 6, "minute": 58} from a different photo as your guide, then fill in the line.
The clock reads {"hour": 11, "minute": 30}
